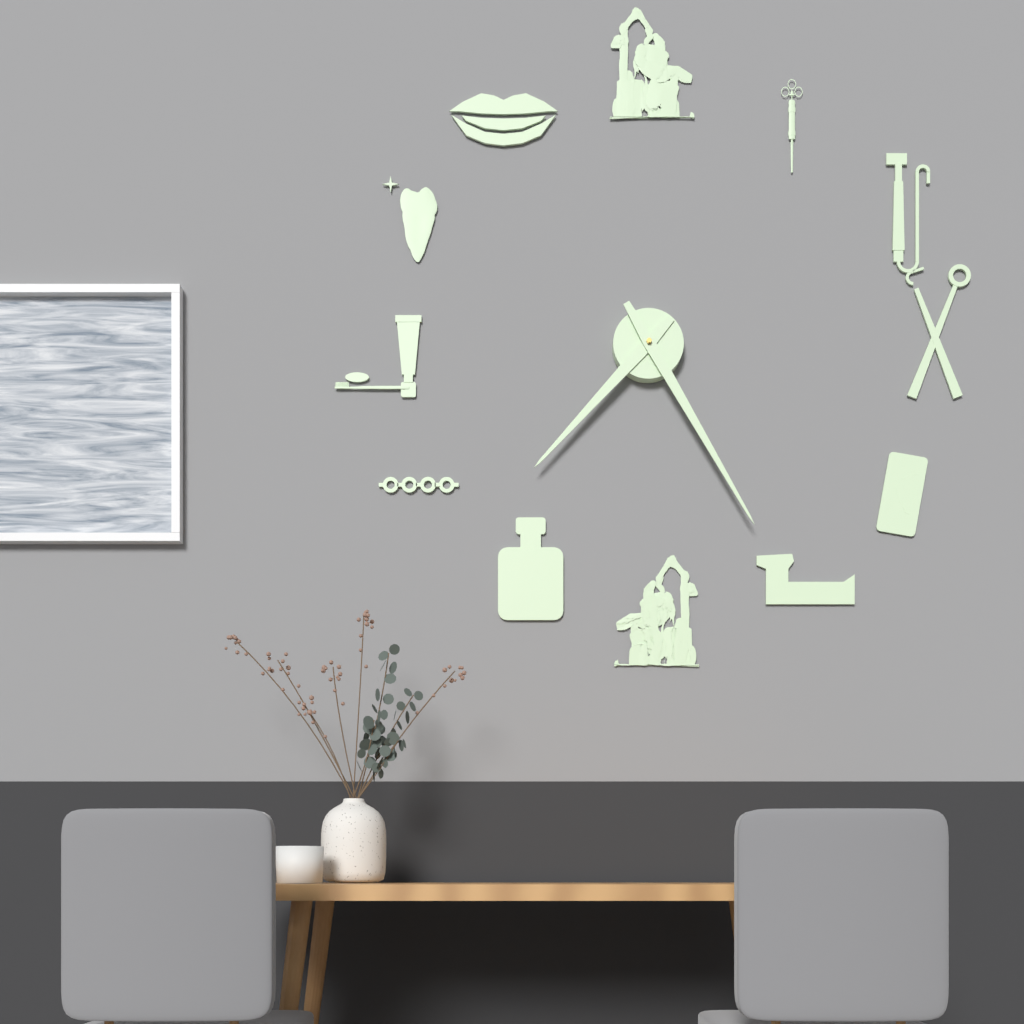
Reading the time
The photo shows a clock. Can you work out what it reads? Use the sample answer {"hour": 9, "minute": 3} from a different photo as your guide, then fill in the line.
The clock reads {"hour": 7, "minute": 25}
